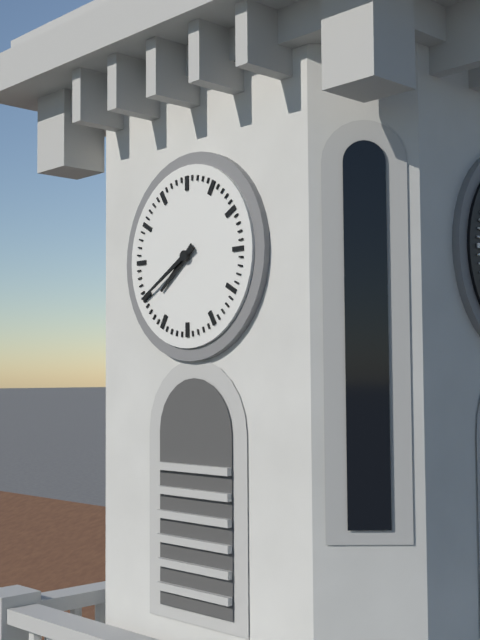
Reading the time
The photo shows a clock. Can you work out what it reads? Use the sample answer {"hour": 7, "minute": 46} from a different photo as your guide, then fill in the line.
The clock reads {"hour": 7, "minute": 40}
